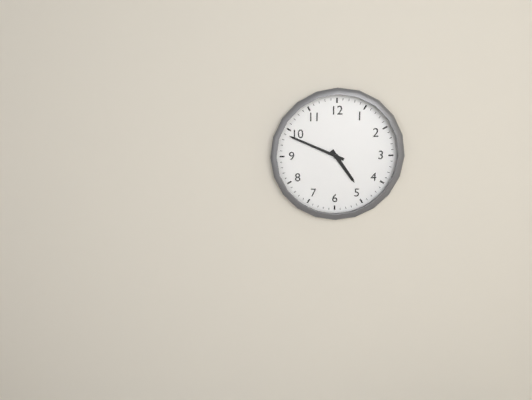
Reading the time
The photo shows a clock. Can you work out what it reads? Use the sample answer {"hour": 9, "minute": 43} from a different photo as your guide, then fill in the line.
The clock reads {"hour": 4, "minute": 49}
